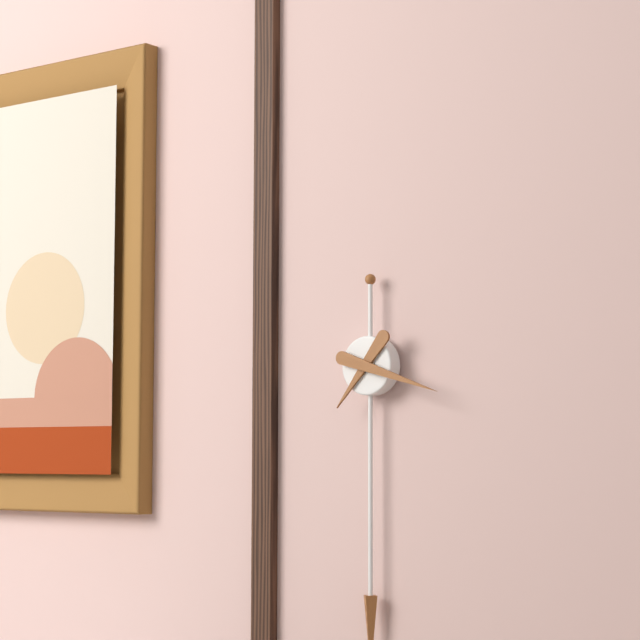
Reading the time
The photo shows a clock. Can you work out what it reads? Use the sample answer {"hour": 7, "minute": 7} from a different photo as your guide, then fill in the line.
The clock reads {"hour": 7, "minute": 18}
